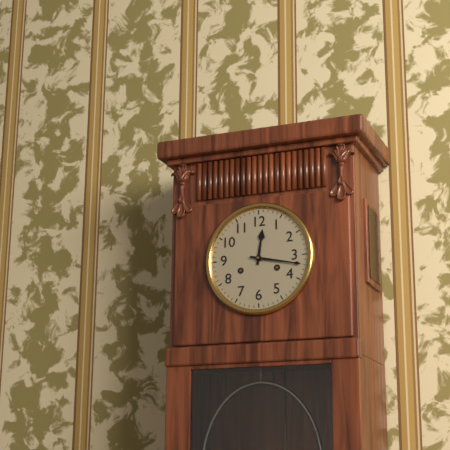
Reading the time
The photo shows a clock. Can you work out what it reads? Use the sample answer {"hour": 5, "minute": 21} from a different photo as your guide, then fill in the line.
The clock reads {"hour": 12, "minute": 17}
